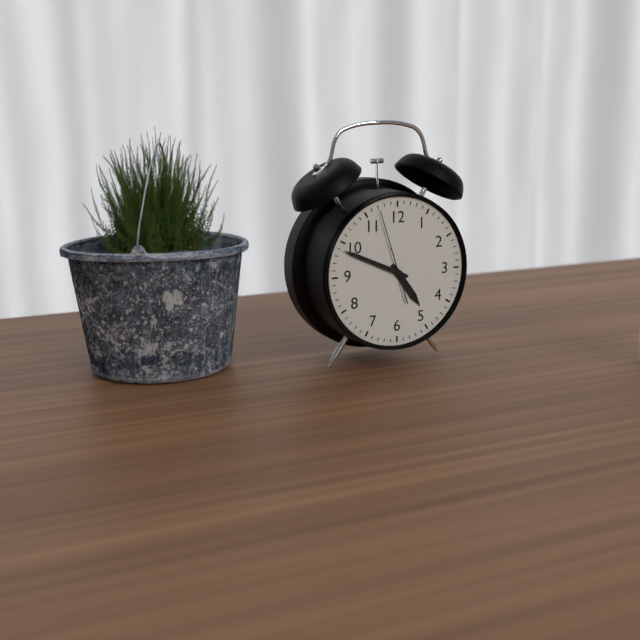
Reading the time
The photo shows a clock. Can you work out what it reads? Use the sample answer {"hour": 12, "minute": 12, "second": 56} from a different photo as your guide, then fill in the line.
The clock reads {"hour": 4, "minute": 49, "second": 57}
